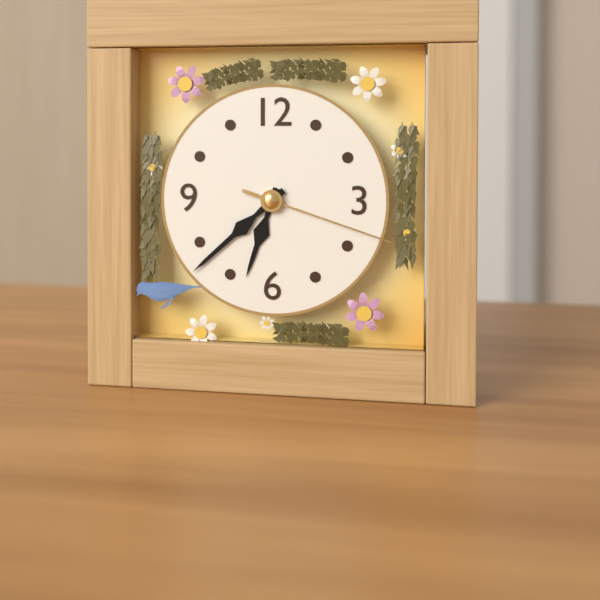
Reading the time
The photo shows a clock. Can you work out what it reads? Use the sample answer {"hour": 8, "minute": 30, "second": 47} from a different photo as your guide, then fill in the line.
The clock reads {"hour": 6, "minute": 38, "second": 18}
